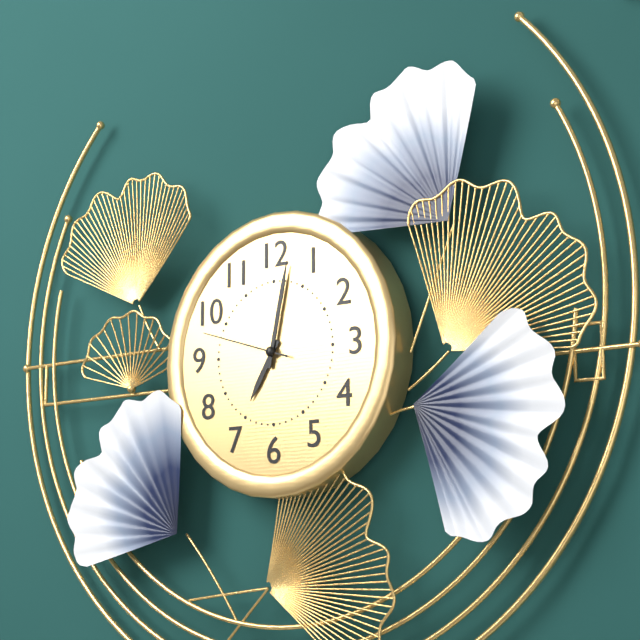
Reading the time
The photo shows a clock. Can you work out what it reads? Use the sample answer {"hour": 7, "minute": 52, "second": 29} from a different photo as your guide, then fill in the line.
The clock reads {"hour": 7, "minute": 2, "second": 48}
